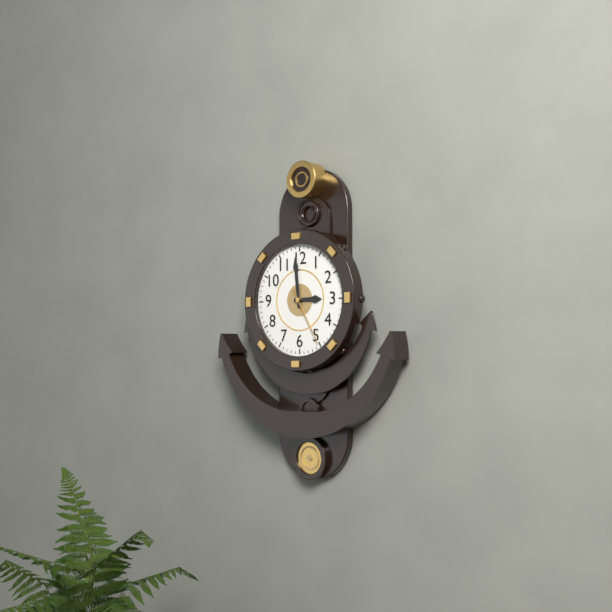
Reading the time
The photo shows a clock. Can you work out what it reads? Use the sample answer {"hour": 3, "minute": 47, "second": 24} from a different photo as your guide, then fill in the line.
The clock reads {"hour": 2, "minute": 59, "second": 25}
